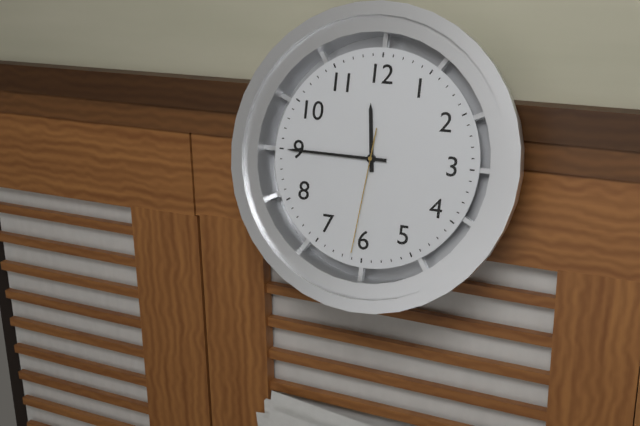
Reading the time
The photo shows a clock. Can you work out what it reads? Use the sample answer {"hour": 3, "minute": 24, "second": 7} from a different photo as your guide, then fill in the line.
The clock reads {"hour": 11, "minute": 45, "second": 31}
